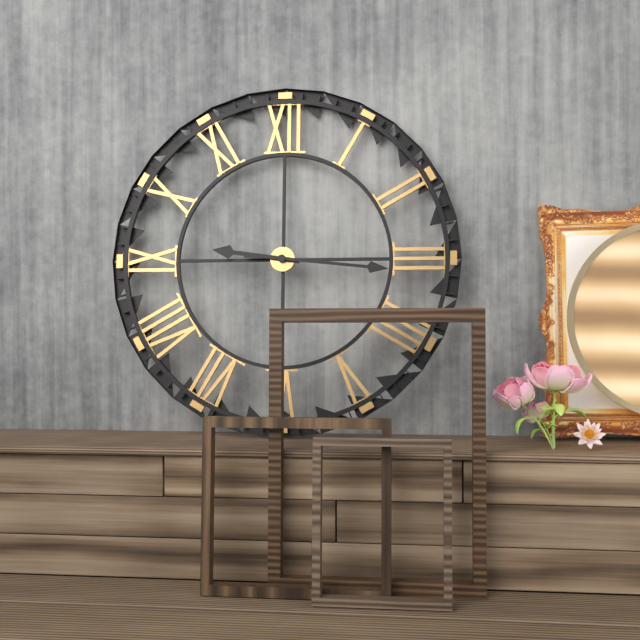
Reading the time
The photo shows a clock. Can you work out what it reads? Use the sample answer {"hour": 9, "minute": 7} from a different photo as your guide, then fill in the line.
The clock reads {"hour": 9, "minute": 16}
